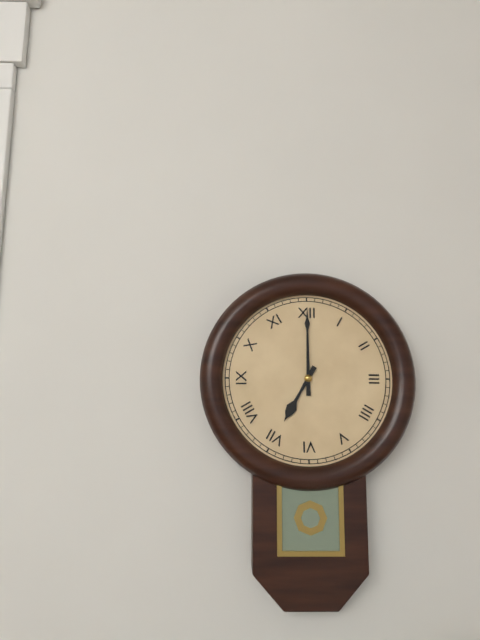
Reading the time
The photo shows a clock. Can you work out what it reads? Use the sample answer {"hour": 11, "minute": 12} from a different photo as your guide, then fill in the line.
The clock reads {"hour": 7, "minute": 0}
